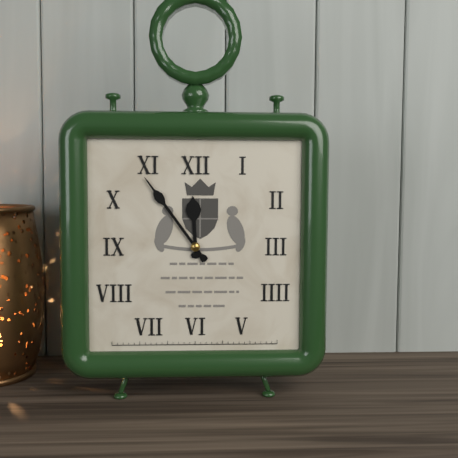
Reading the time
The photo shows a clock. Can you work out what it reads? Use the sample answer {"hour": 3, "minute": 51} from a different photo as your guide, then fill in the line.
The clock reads {"hour": 11, "minute": 54}
